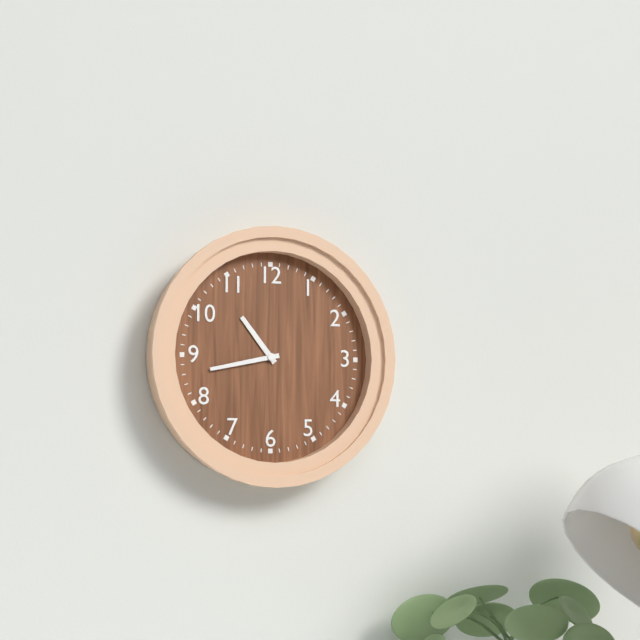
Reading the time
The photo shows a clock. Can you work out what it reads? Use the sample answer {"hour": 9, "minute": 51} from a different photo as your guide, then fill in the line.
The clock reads {"hour": 10, "minute": 43}
